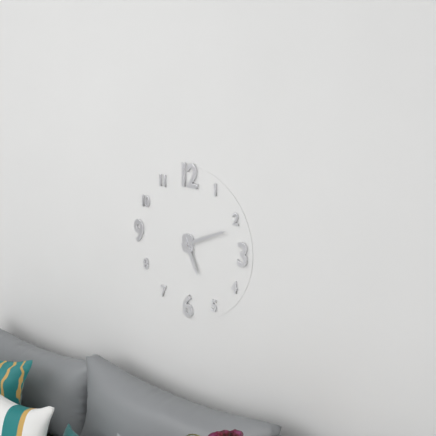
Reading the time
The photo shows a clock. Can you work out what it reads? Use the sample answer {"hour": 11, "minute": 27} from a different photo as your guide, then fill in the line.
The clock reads {"hour": 5, "minute": 11}
